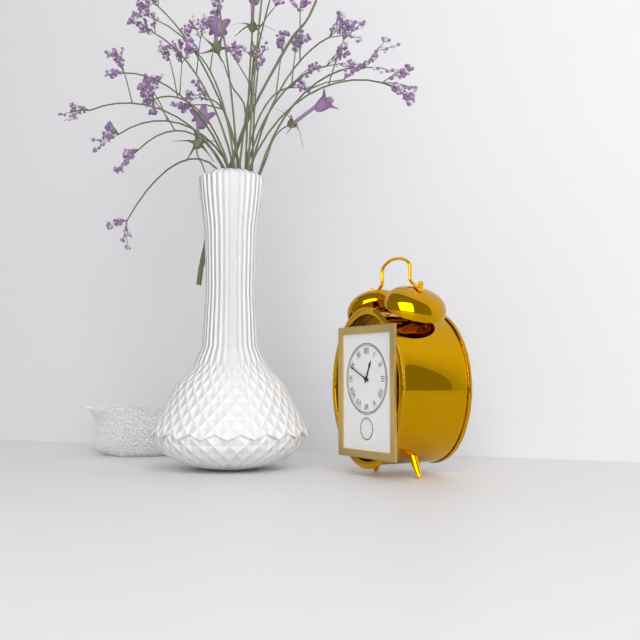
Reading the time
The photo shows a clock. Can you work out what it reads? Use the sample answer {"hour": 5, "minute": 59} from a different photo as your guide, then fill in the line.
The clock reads {"hour": 12, "minute": 49}
